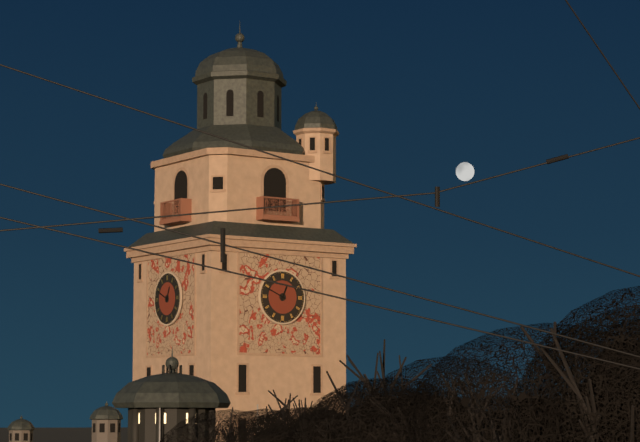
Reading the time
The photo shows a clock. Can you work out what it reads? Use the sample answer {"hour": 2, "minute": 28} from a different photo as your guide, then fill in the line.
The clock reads {"hour": 12, "minute": 49}
